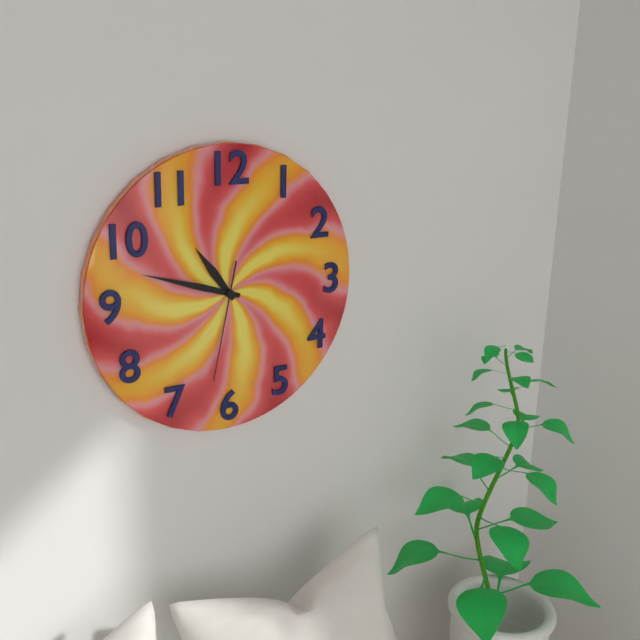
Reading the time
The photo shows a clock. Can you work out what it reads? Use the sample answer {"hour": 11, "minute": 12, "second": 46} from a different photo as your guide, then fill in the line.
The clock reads {"hour": 10, "minute": 48, "second": 32}
